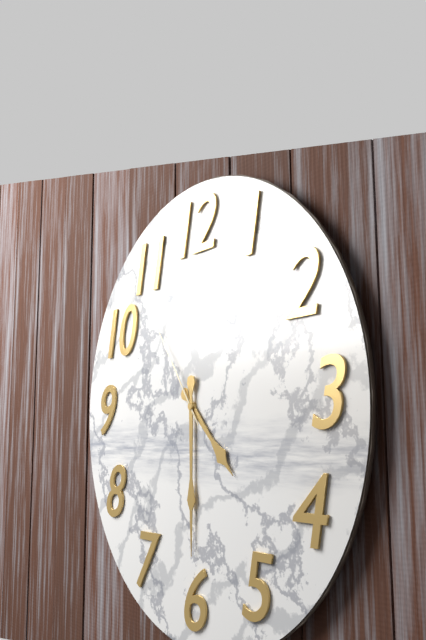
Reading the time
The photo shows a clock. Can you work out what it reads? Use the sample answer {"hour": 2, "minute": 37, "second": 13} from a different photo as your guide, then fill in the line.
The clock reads {"hour": 4, "minute": 30, "second": 54}
